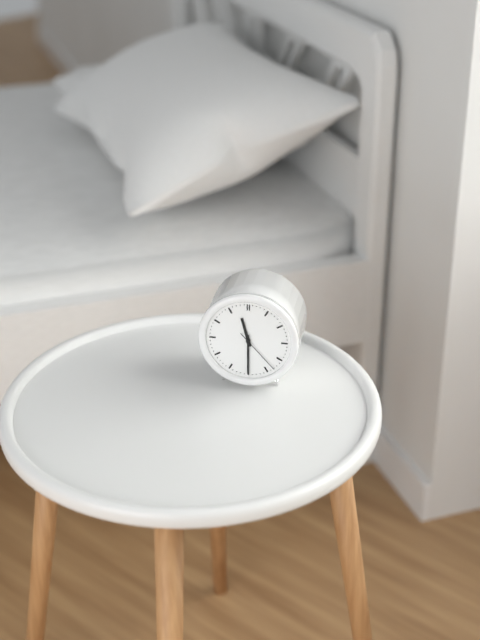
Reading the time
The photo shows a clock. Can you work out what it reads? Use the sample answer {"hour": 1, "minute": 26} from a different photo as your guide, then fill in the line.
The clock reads {"hour": 11, "minute": 30}
